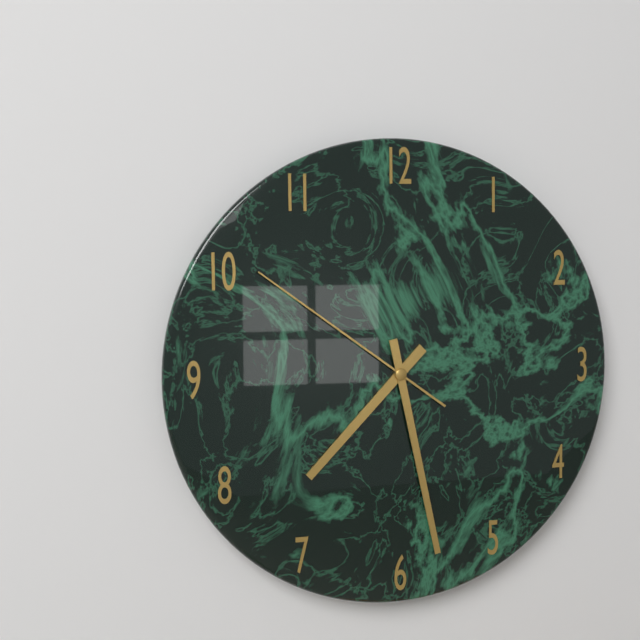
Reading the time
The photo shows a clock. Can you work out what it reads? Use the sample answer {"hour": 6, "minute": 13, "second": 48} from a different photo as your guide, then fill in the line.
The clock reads {"hour": 7, "minute": 28, "second": 51}
